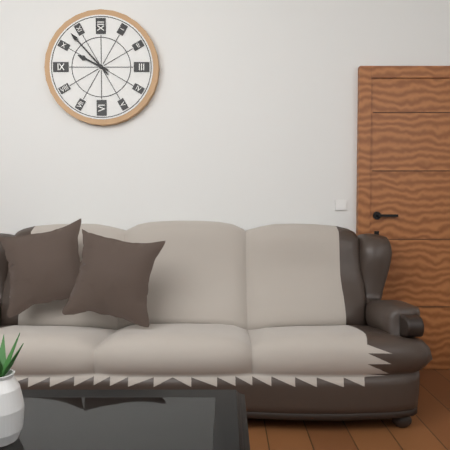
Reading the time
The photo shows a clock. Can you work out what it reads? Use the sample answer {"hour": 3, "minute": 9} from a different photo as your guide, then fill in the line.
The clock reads {"hour": 9, "minute": 53}
